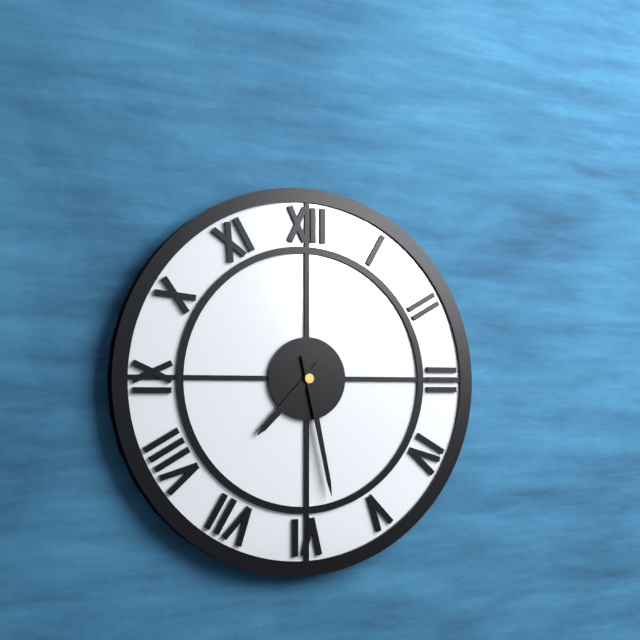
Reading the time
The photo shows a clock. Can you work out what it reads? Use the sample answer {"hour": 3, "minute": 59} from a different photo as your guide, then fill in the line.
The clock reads {"hour": 7, "minute": 28}
